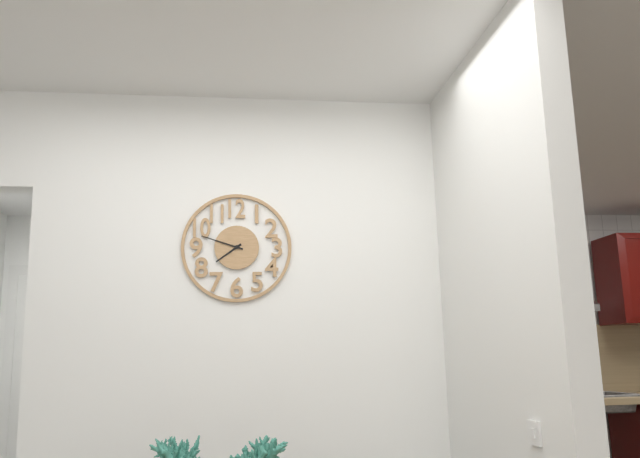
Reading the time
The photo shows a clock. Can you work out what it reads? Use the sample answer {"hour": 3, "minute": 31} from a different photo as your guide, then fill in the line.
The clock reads {"hour": 7, "minute": 48}
